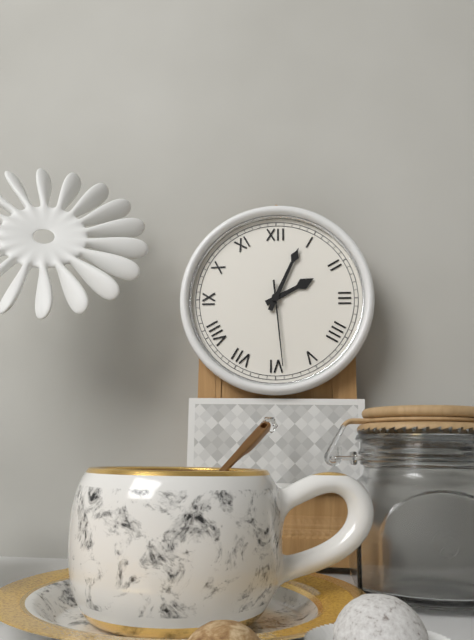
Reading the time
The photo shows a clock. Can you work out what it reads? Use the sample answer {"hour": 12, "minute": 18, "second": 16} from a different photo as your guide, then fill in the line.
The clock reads {"hour": 2, "minute": 4, "second": 29}
